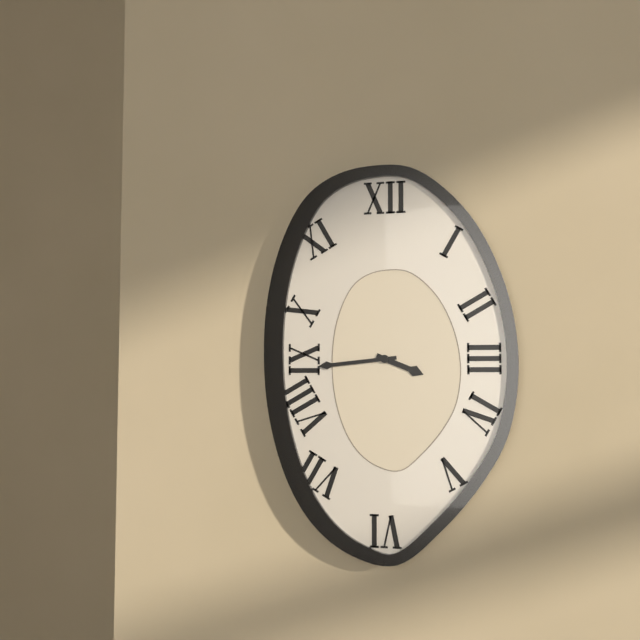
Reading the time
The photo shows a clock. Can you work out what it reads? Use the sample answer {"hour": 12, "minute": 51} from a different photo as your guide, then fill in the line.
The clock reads {"hour": 3, "minute": 44}
